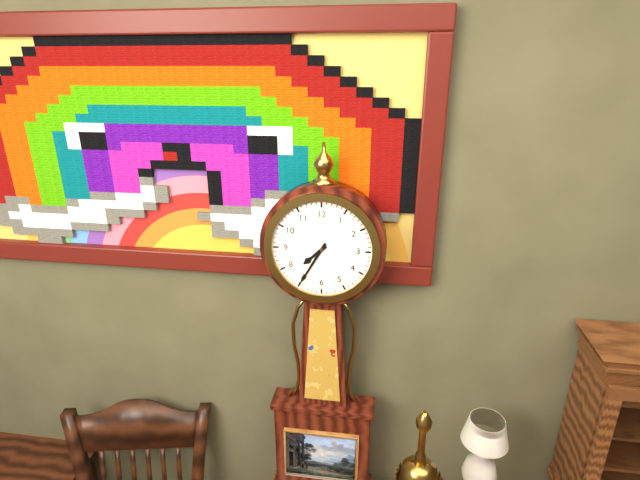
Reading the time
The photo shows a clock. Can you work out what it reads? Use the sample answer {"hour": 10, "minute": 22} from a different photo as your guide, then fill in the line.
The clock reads {"hour": 7, "minute": 35}
